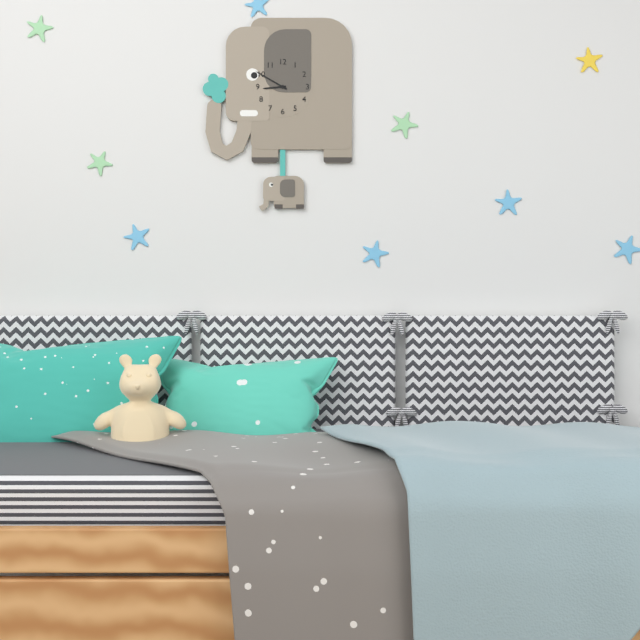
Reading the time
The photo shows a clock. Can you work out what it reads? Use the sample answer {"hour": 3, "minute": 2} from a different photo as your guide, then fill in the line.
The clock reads {"hour": 8, "minute": 50}
